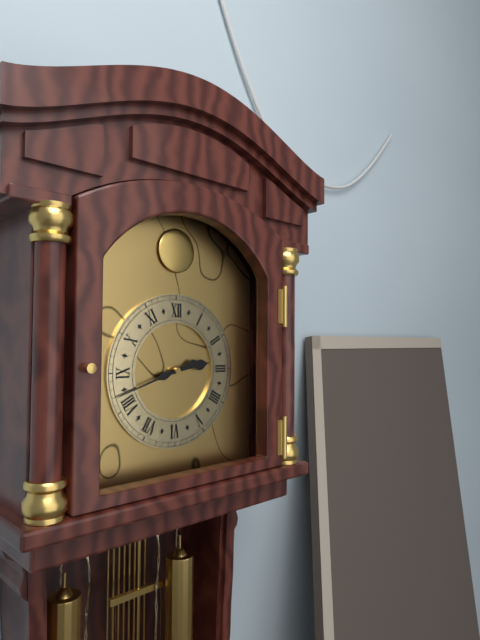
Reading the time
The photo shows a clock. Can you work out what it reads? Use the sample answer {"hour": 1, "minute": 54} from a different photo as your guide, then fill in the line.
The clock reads {"hour": 2, "minute": 42}
